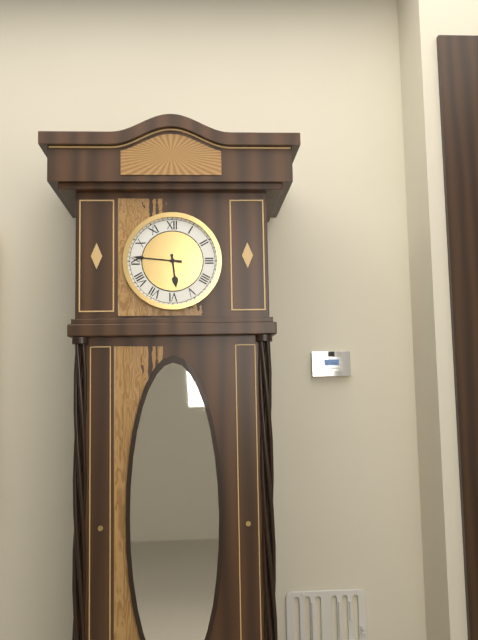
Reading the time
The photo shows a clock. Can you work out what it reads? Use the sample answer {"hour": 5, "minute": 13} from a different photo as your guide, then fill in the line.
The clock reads {"hour": 5, "minute": 46}
